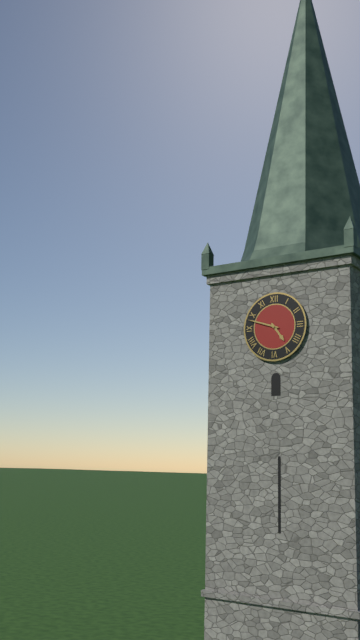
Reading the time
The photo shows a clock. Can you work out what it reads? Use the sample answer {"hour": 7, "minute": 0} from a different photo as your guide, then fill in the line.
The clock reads {"hour": 4, "minute": 48}
